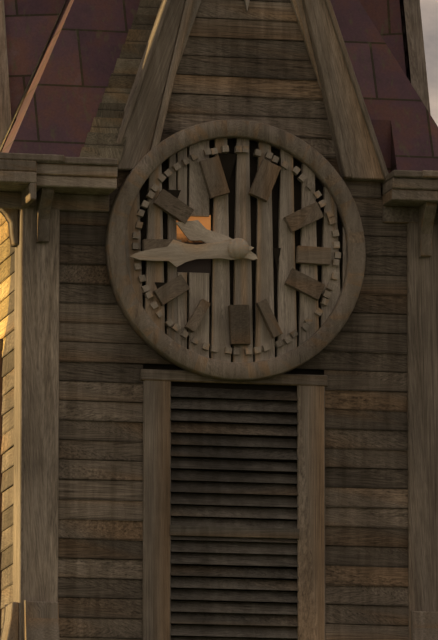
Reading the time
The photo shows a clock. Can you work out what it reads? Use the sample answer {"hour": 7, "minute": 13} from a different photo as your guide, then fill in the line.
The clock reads {"hour": 9, "minute": 44}
